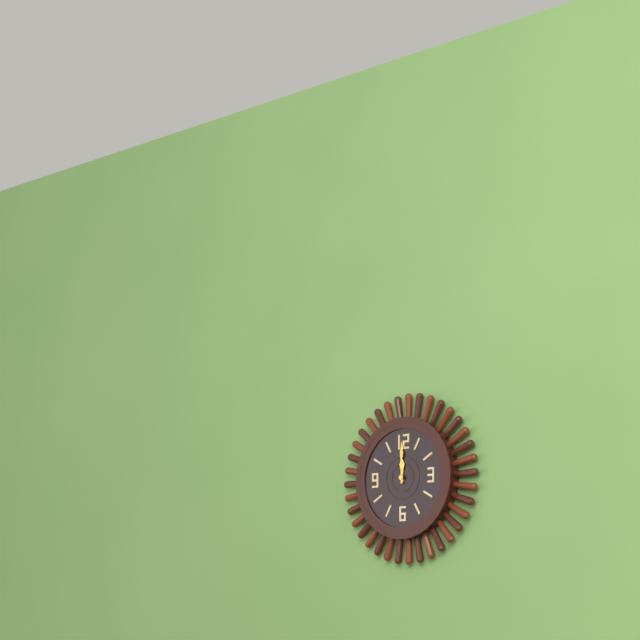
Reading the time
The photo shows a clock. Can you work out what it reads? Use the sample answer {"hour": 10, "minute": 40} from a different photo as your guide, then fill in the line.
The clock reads {"hour": 12, "minute": 0}
